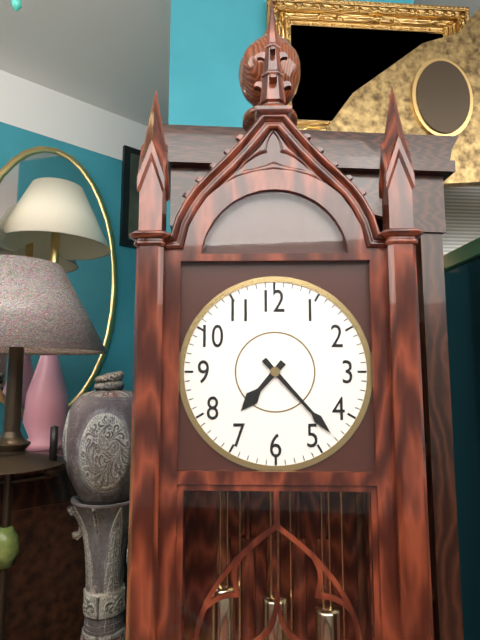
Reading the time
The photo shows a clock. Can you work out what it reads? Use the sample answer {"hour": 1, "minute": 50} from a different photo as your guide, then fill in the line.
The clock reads {"hour": 7, "minute": 23}
